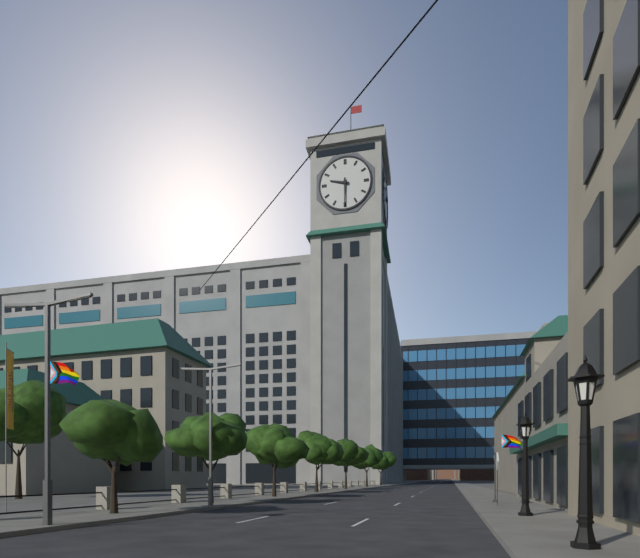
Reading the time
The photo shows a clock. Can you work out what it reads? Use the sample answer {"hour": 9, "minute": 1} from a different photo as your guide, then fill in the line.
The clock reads {"hour": 9, "minute": 30}
